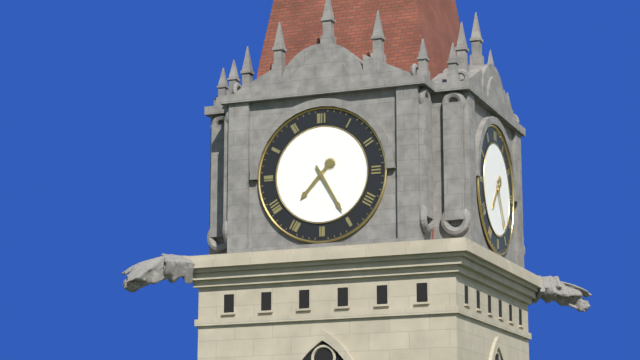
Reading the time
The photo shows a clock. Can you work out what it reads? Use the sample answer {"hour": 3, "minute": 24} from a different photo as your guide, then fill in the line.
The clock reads {"hour": 7, "minute": 25}
